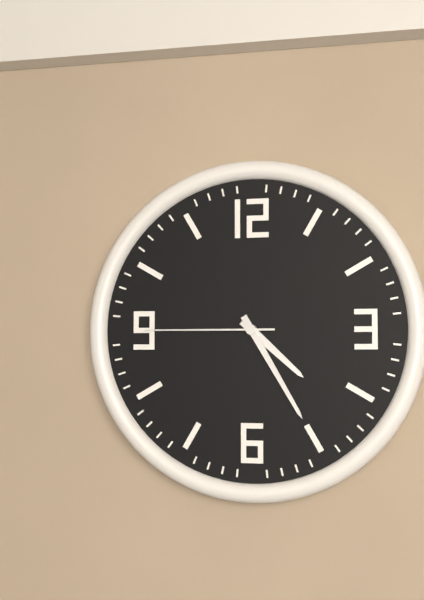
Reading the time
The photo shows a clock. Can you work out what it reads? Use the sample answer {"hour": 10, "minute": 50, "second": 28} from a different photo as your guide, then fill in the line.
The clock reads {"hour": 4, "minute": 25, "second": 45}
